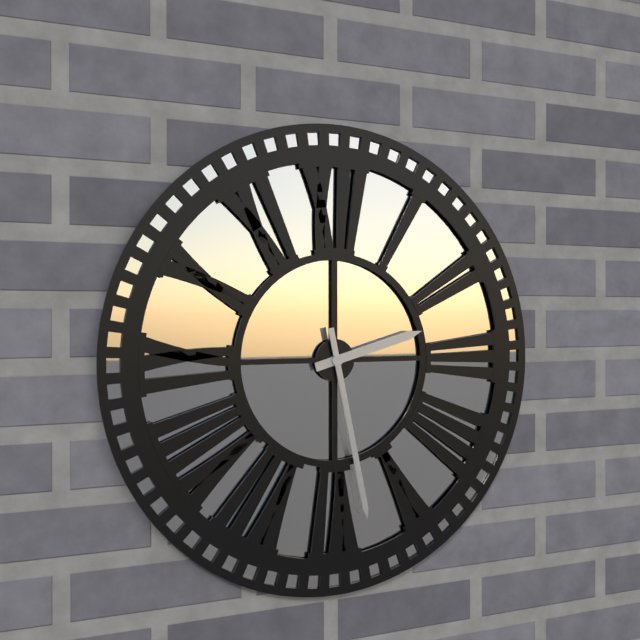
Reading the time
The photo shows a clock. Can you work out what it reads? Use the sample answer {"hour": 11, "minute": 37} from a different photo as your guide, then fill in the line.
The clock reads {"hour": 2, "minute": 28}
